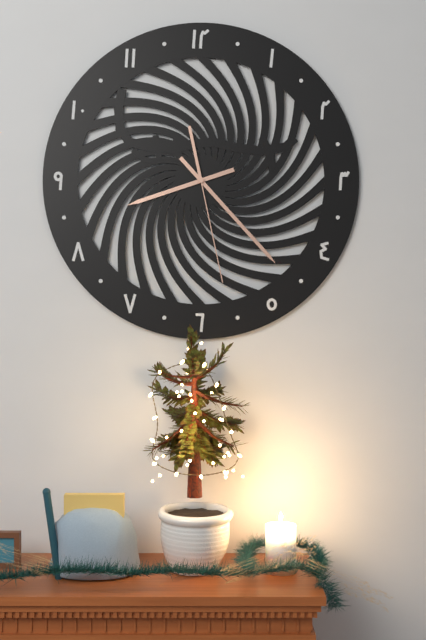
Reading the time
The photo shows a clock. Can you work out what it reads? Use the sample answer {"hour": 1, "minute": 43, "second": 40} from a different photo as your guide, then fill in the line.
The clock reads {"hour": 8, "minute": 23, "second": 28}
